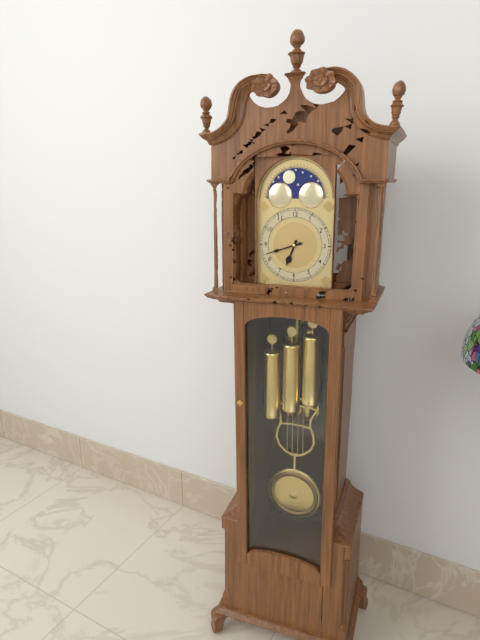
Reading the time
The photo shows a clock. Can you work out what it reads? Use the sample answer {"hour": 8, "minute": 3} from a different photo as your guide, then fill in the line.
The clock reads {"hour": 6, "minute": 42}
